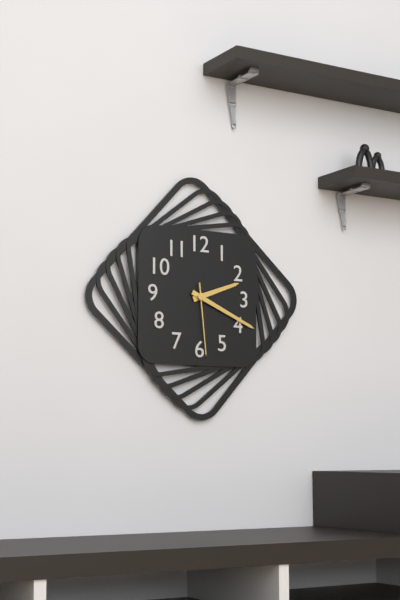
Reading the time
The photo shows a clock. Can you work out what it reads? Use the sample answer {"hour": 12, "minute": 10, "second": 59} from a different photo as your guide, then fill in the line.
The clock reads {"hour": 2, "minute": 19, "second": 29}
